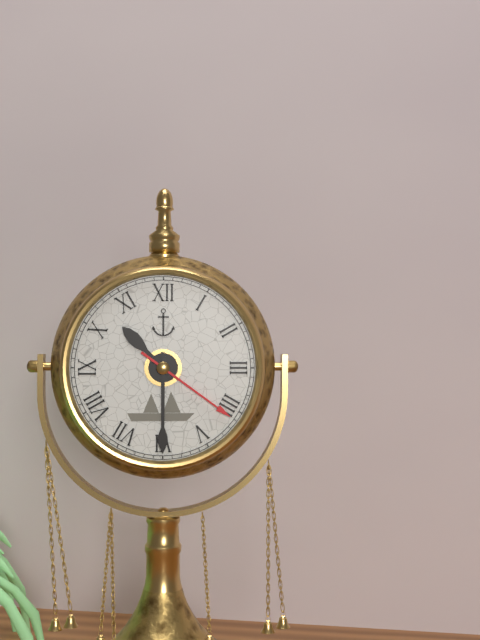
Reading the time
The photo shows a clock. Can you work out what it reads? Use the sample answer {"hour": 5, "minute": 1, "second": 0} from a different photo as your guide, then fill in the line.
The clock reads {"hour": 10, "minute": 30, "second": 21}
